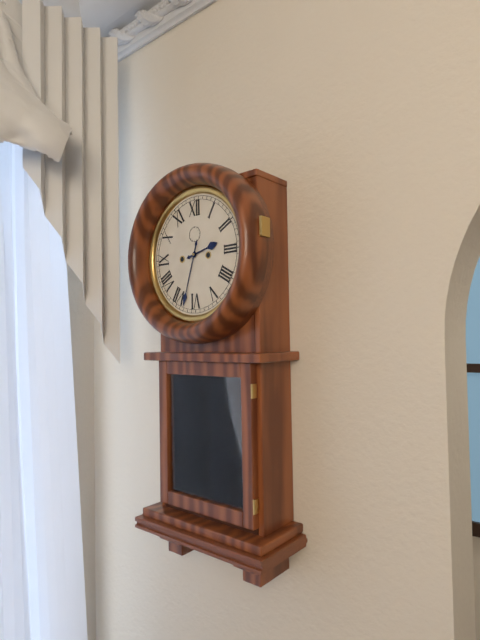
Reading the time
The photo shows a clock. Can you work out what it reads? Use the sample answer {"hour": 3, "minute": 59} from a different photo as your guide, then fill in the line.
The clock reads {"hour": 2, "minute": 33}
